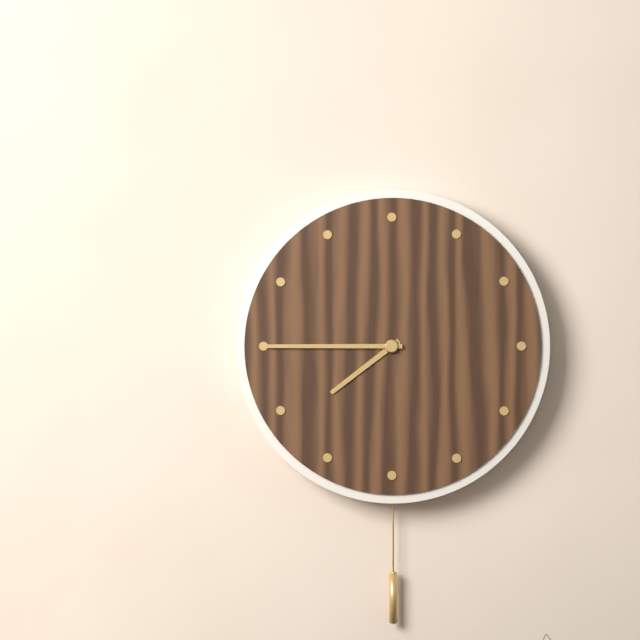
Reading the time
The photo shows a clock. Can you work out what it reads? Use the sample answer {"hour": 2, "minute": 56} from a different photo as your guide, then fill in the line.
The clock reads {"hour": 7, "minute": 45}
